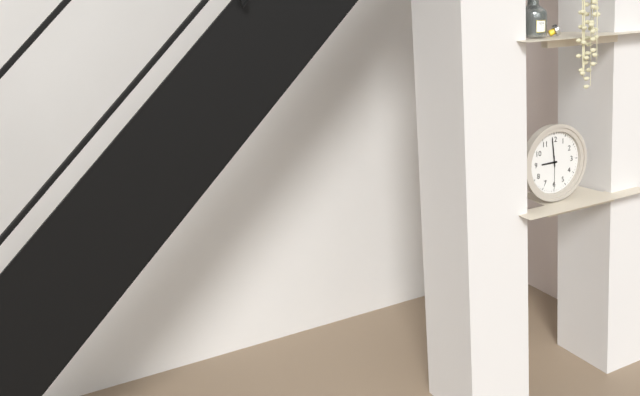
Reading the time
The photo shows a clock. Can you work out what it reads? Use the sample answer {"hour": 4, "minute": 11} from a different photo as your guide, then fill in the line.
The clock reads {"hour": 8, "minute": 59}
